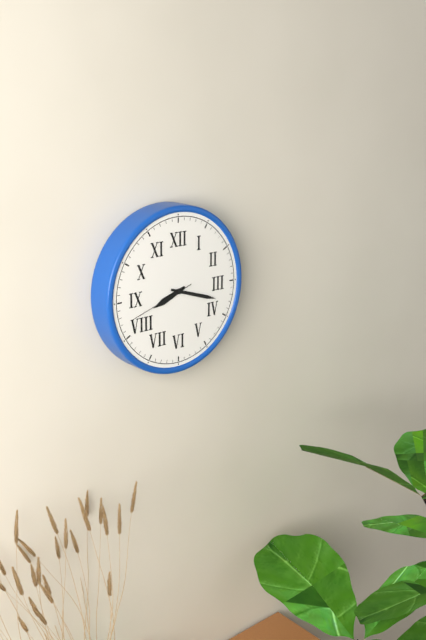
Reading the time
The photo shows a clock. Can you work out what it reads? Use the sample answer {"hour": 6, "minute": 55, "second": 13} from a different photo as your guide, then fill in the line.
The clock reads {"hour": 8, "minute": 18, "second": 42}
